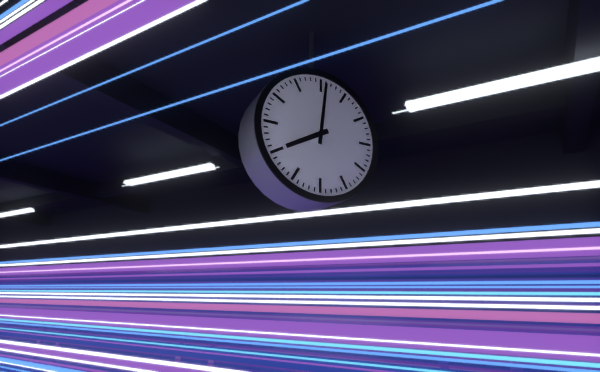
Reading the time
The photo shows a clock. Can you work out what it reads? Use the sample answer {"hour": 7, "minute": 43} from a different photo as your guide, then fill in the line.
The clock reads {"hour": 8, "minute": 1}
